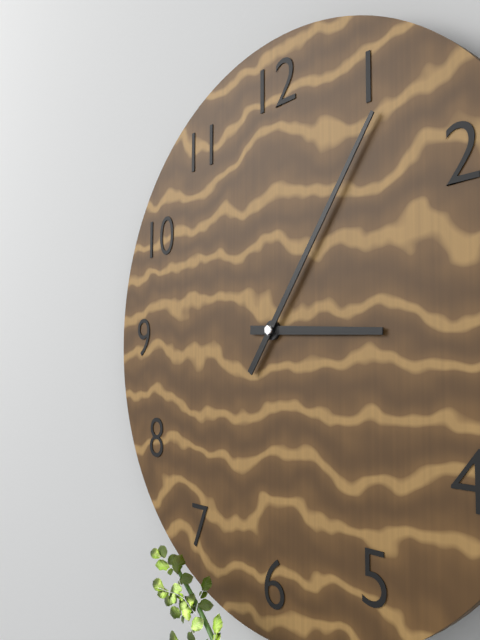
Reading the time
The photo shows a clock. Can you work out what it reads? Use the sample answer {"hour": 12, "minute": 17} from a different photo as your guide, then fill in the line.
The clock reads {"hour": 3, "minute": 6}
